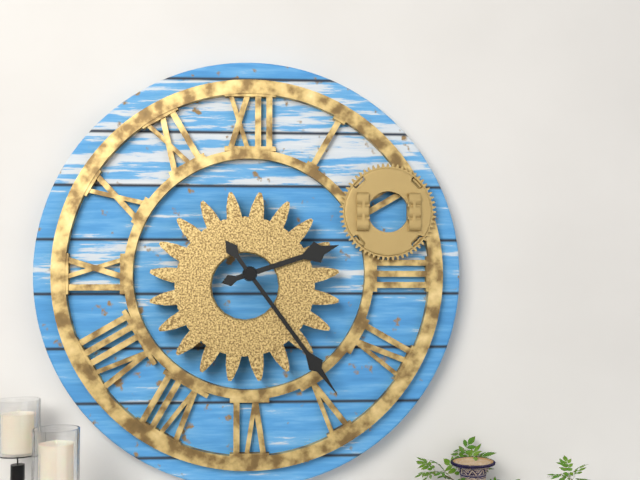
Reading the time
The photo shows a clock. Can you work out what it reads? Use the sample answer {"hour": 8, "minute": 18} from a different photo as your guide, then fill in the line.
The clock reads {"hour": 2, "minute": 24}
